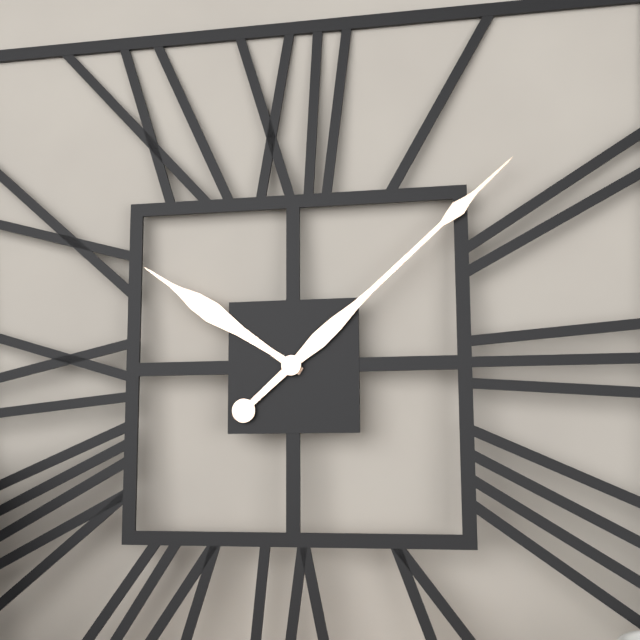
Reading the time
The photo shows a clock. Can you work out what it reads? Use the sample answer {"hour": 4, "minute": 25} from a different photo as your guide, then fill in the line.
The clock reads {"hour": 10, "minute": 8}
